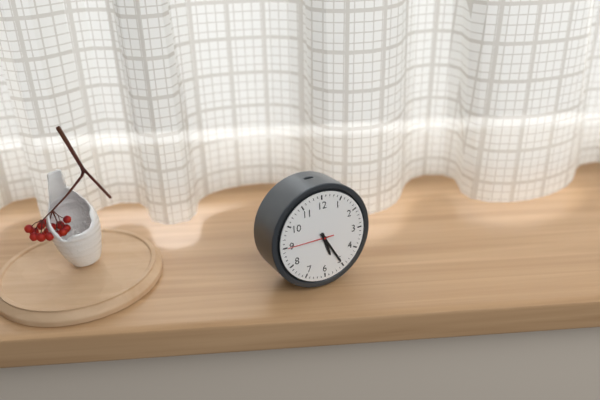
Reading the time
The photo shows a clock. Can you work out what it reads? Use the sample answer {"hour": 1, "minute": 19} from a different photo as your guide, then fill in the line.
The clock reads {"hour": 5, "minute": 25}
